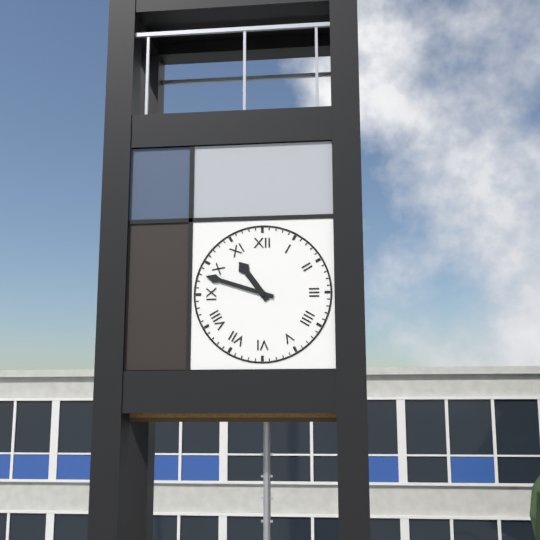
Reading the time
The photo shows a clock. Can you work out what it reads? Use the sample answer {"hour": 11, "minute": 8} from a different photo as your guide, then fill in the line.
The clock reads {"hour": 10, "minute": 48}
